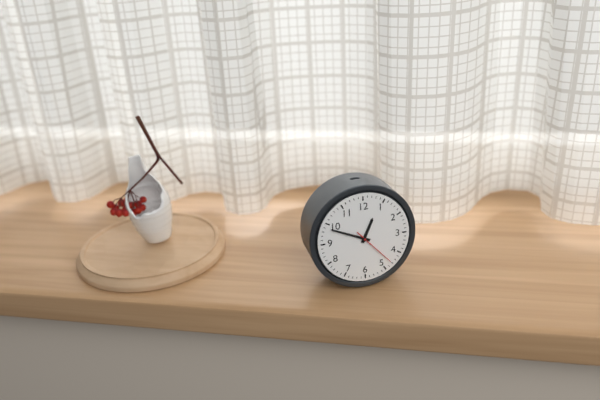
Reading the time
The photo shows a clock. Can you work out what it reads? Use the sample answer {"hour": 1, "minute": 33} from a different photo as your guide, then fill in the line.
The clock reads {"hour": 12, "minute": 49}
